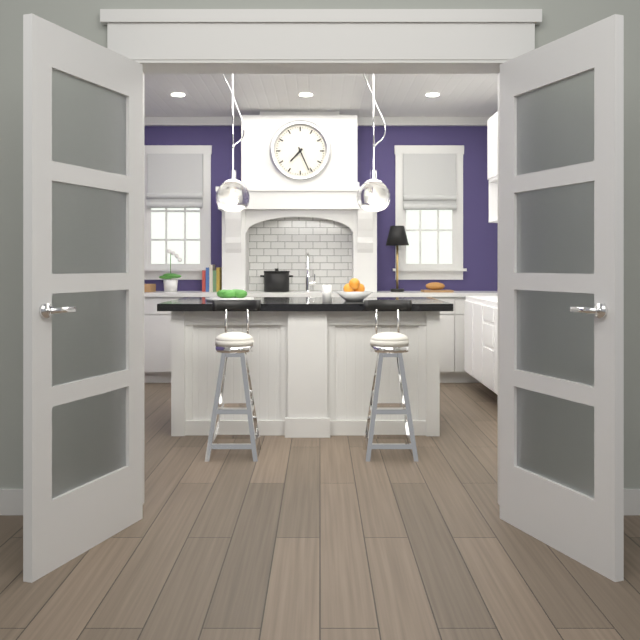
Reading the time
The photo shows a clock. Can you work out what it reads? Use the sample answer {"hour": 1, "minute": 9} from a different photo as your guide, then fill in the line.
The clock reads {"hour": 7, "minute": 26}
